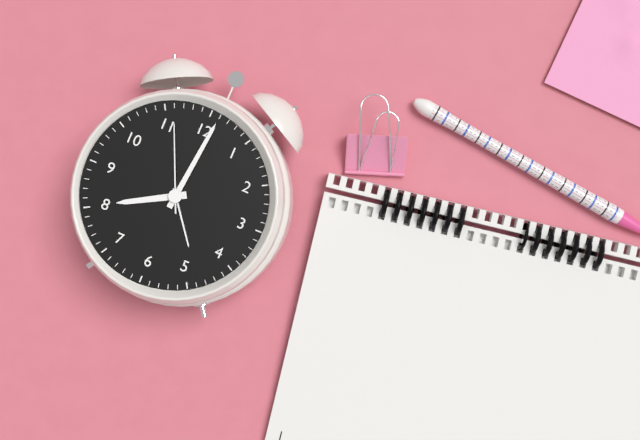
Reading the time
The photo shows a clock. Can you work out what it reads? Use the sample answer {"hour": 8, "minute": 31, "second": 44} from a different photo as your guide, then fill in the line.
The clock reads {"hour": 8, "minute": 1, "second": 56}
